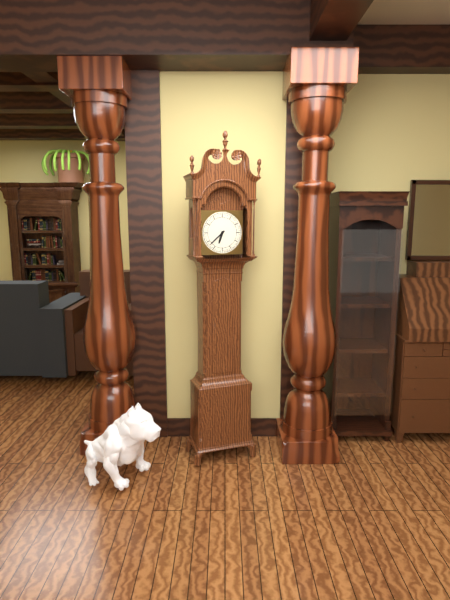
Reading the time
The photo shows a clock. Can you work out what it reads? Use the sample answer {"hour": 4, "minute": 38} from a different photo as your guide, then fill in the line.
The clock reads {"hour": 6, "minute": 38}
